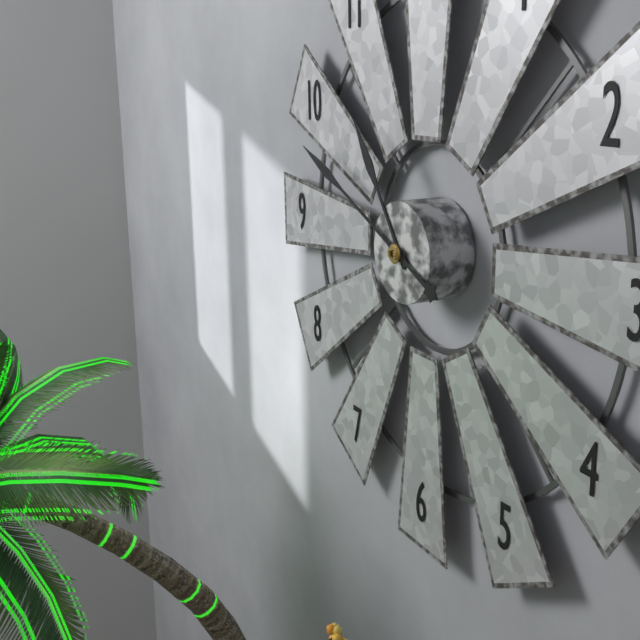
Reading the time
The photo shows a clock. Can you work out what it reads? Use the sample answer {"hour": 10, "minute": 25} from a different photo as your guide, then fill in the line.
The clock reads {"hour": 10, "minute": 49}
